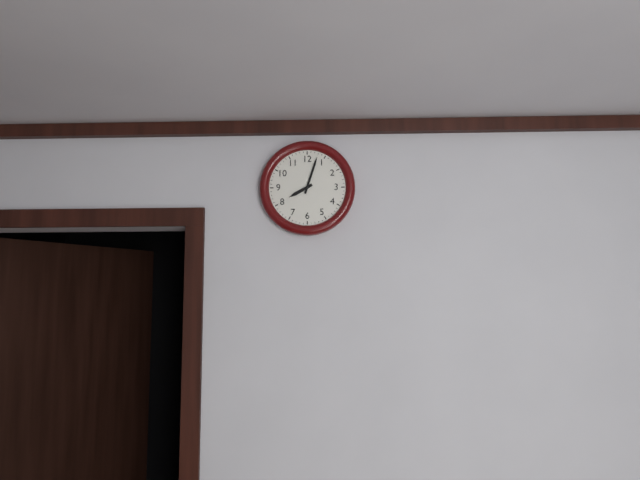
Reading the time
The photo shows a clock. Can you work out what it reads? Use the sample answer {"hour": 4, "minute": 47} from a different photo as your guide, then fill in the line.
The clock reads {"hour": 8, "minute": 3}
